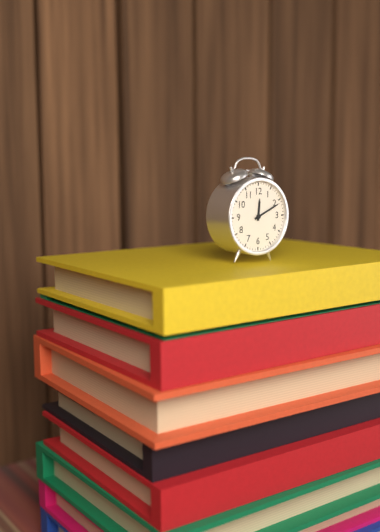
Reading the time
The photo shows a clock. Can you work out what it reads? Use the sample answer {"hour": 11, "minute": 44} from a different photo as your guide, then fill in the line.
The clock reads {"hour": 12, "minute": 11}
